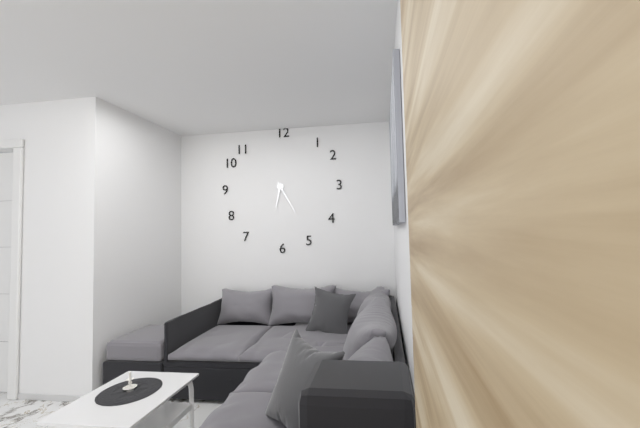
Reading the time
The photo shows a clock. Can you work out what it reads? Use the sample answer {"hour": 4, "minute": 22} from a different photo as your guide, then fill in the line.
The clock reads {"hour": 6, "minute": 25}
